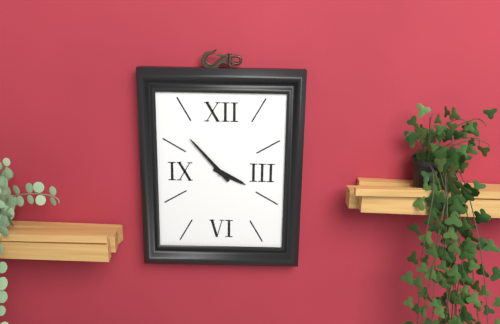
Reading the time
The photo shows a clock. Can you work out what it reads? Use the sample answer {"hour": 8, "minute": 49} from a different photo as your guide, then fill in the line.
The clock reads {"hour": 3, "minute": 53}
